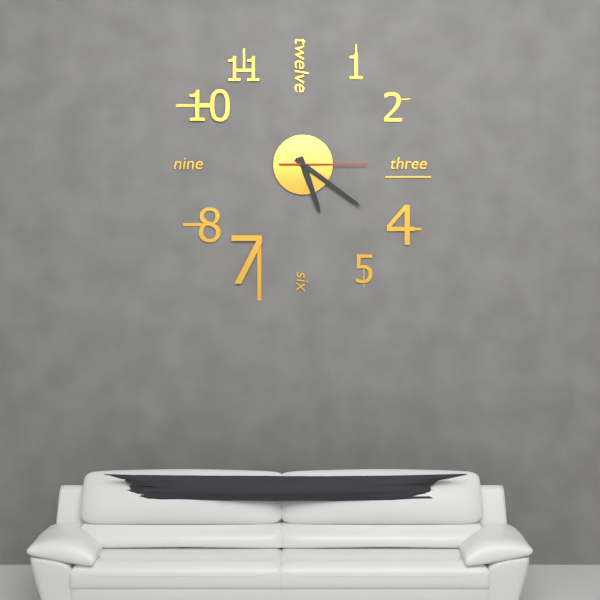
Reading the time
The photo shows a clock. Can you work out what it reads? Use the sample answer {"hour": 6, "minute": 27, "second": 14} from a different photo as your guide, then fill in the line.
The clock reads {"hour": 5, "minute": 21, "second": 15}
